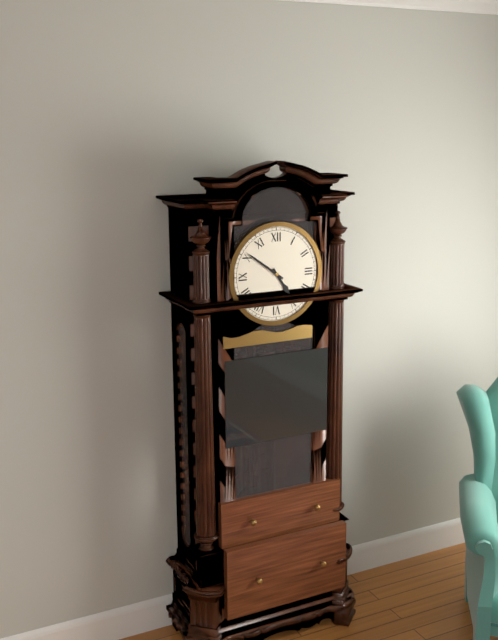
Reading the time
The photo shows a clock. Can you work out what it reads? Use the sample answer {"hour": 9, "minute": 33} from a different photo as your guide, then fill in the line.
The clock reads {"hour": 4, "minute": 51}
